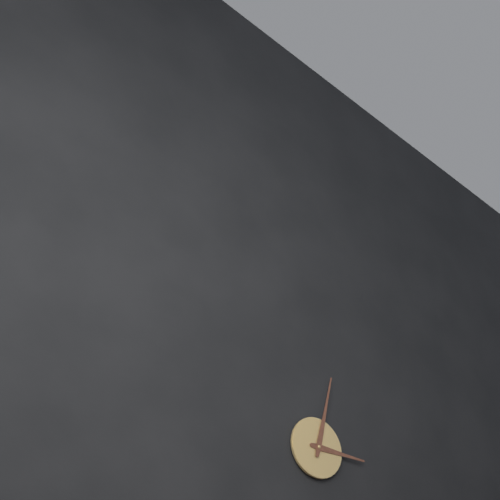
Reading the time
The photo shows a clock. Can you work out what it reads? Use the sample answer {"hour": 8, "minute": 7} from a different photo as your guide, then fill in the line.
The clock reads {"hour": 3, "minute": 2}
